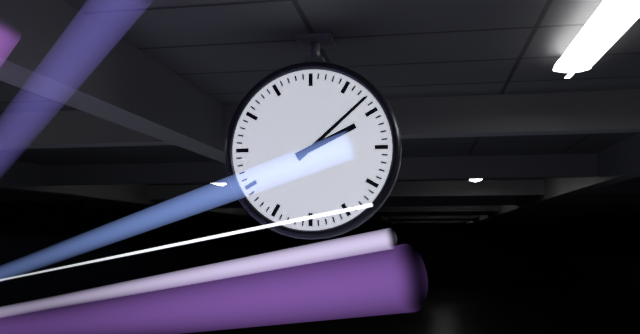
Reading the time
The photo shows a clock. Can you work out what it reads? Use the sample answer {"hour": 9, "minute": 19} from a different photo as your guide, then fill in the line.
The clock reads {"hour": 2, "minute": 8}
